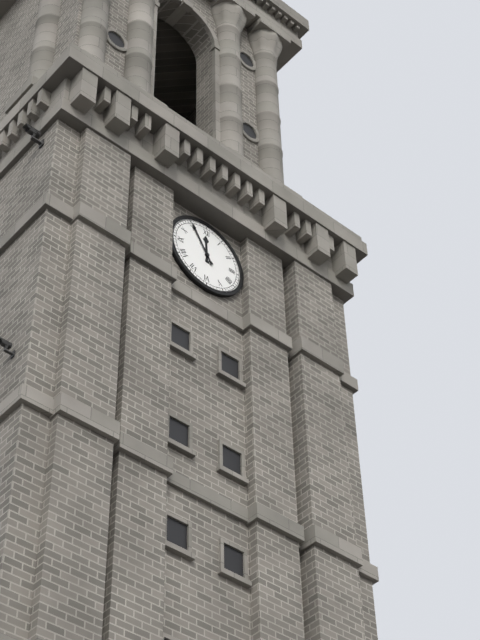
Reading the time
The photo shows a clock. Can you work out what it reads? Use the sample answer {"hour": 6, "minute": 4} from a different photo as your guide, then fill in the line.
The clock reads {"hour": 11, "minute": 55}
